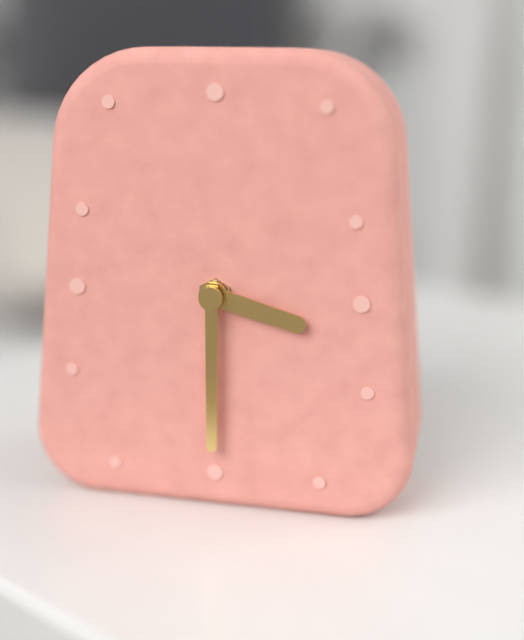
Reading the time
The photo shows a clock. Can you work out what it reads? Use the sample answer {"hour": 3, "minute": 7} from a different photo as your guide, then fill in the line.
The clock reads {"hour": 3, "minute": 30}
